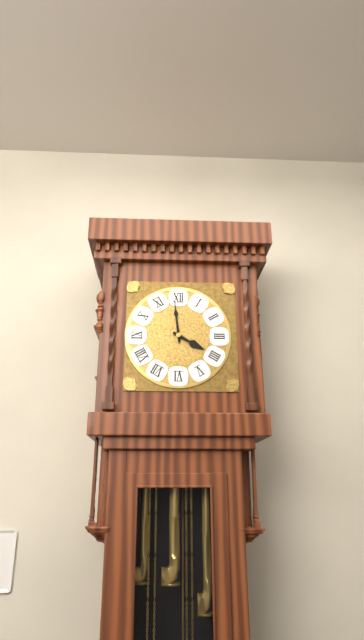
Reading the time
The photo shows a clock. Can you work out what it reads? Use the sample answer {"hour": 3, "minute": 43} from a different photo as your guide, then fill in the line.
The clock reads {"hour": 3, "minute": 59}
